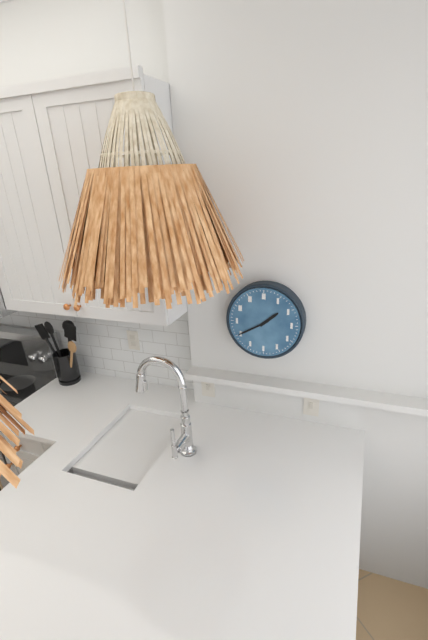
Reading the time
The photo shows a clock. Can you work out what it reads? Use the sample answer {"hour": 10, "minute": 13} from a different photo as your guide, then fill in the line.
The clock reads {"hour": 1, "minute": 40}
